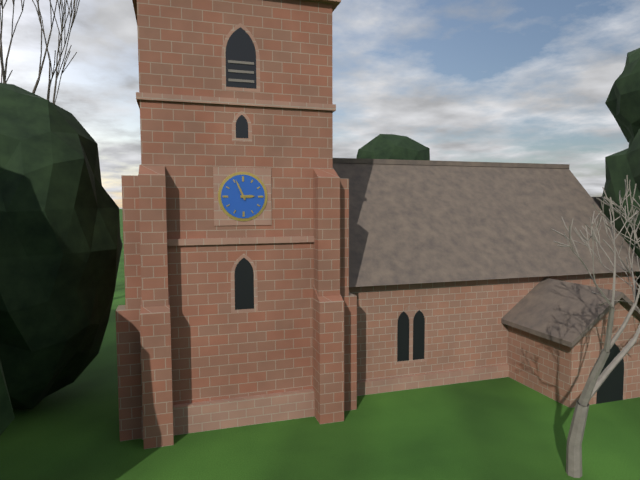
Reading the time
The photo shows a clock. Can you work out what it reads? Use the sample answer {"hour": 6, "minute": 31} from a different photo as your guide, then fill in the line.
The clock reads {"hour": 2, "minute": 56}
